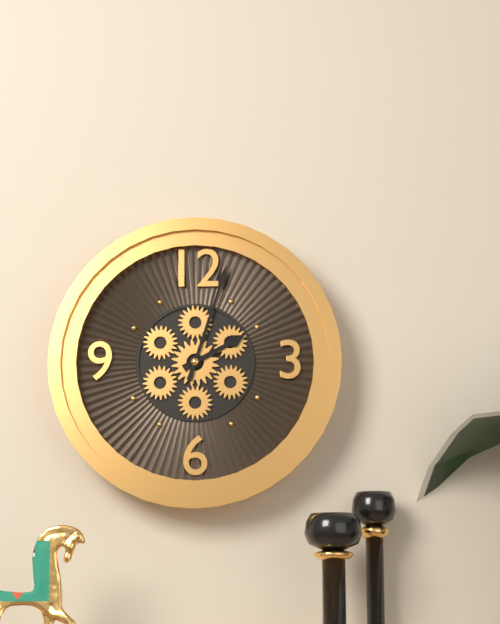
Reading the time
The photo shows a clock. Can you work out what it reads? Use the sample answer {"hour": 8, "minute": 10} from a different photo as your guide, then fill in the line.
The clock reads {"hour": 2, "minute": 3}
